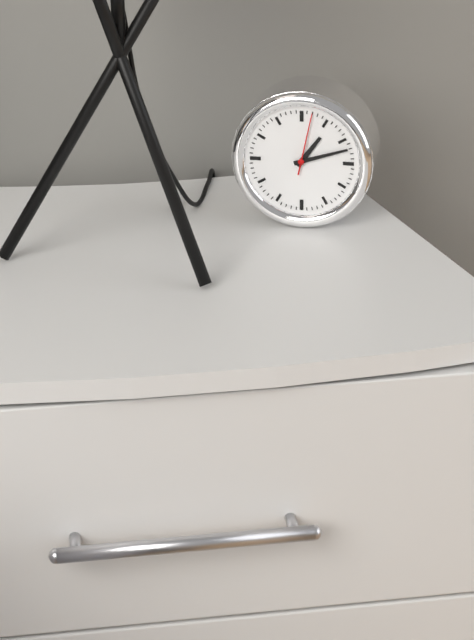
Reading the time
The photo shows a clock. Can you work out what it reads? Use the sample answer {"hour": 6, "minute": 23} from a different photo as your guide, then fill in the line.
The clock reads {"hour": 1, "minute": 12}
